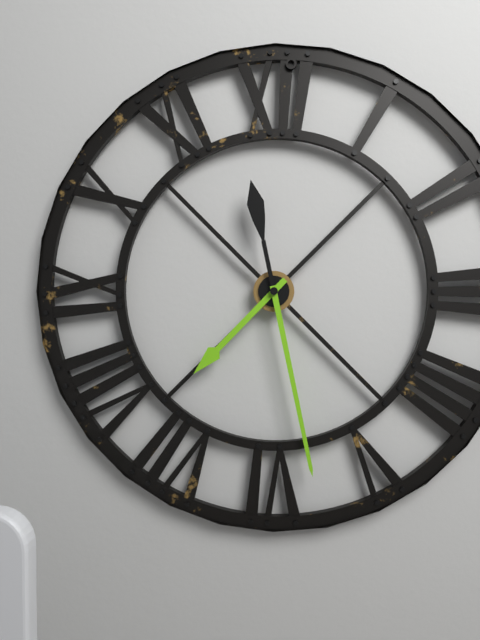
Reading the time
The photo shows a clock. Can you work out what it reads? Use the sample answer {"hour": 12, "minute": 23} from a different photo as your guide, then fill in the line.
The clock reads {"hour": 7, "minute": 28}
